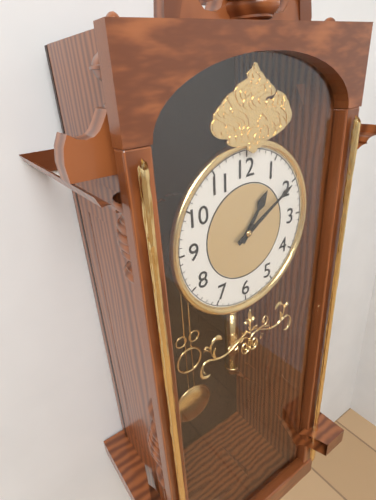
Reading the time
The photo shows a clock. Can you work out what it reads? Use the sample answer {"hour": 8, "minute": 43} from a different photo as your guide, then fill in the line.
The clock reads {"hour": 1, "minute": 10}
